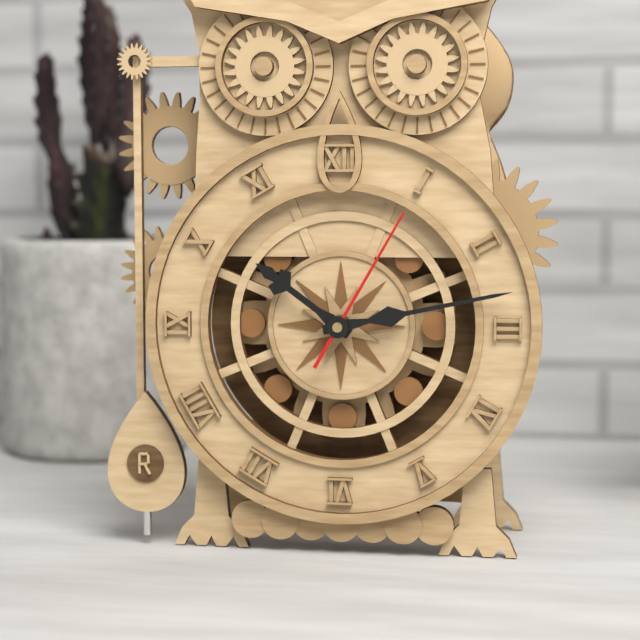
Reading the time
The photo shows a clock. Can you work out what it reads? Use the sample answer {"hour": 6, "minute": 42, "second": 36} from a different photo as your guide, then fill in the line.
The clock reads {"hour": 10, "minute": 13, "second": 5}
